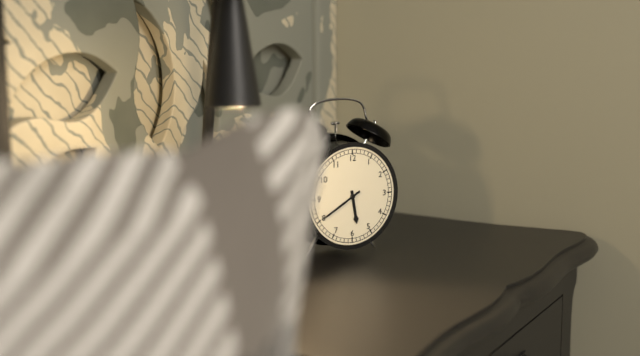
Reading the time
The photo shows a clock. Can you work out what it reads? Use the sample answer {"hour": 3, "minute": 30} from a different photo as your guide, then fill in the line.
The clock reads {"hour": 5, "minute": 40}
